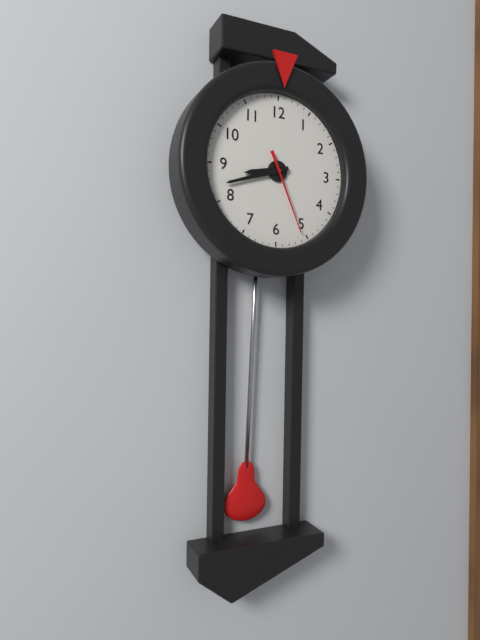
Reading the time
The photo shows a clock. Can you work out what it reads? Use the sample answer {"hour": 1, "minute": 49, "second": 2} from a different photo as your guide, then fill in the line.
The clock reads {"hour": 8, "minute": 42, "second": 26}
